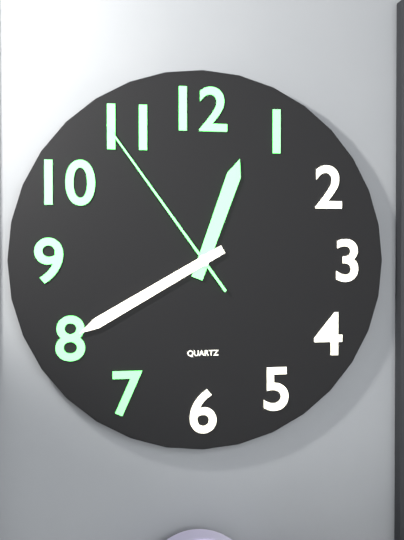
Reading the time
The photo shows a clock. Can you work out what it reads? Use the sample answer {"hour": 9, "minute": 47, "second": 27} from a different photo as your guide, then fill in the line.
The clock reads {"hour": 12, "minute": 40, "second": 54}
